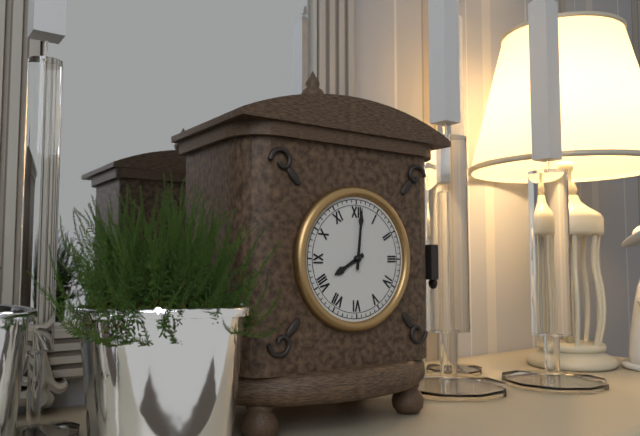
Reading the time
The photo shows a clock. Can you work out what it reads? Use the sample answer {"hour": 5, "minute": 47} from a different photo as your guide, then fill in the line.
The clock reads {"hour": 8, "minute": 1}
